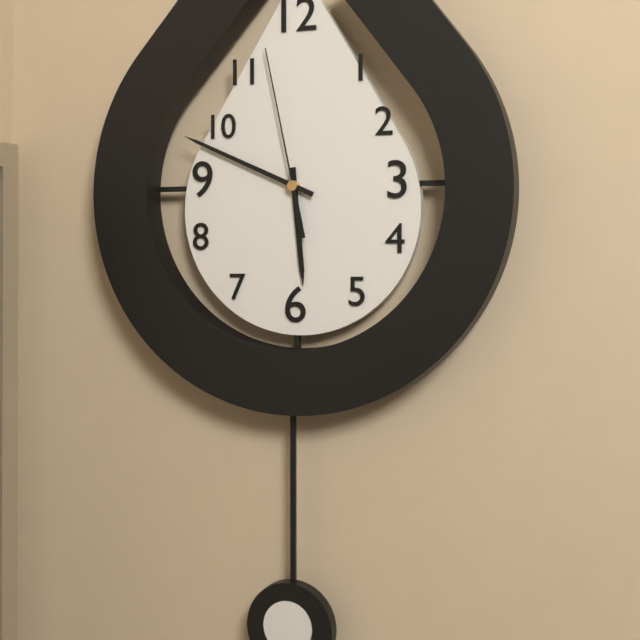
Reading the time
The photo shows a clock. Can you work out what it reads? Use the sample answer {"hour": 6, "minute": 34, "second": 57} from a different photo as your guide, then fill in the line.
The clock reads {"hour": 5, "minute": 49, "second": 58}
